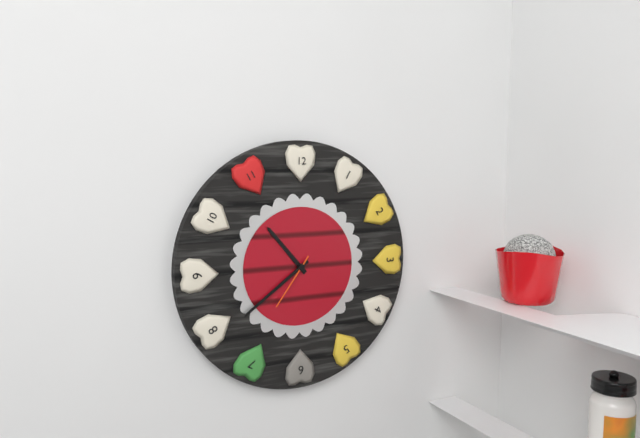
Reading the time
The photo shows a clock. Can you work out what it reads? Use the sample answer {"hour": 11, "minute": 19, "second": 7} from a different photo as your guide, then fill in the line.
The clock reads {"hour": 10, "minute": 39, "second": 36}
